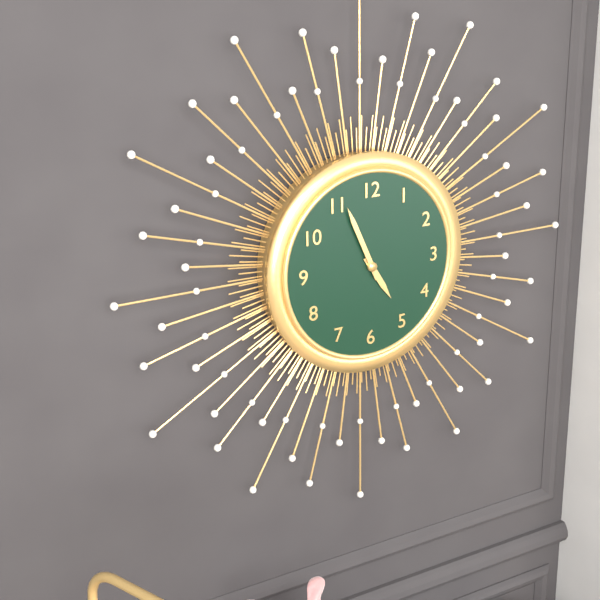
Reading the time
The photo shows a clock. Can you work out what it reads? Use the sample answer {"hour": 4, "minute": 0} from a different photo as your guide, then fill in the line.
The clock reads {"hour": 4, "minute": 56}
